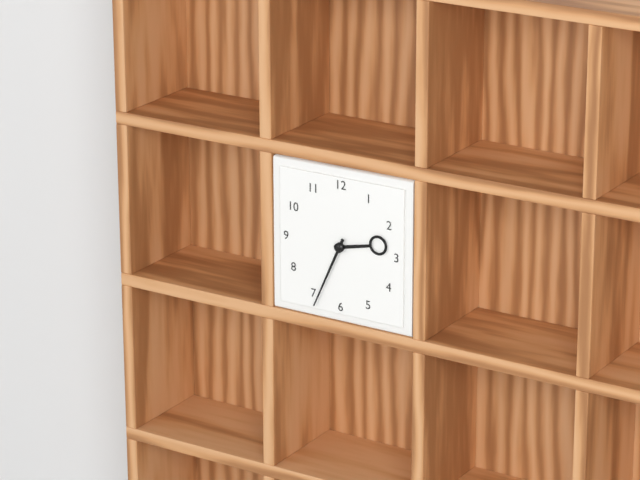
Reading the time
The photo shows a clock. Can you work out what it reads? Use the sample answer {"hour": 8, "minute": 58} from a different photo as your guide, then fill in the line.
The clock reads {"hour": 2, "minute": 34}
